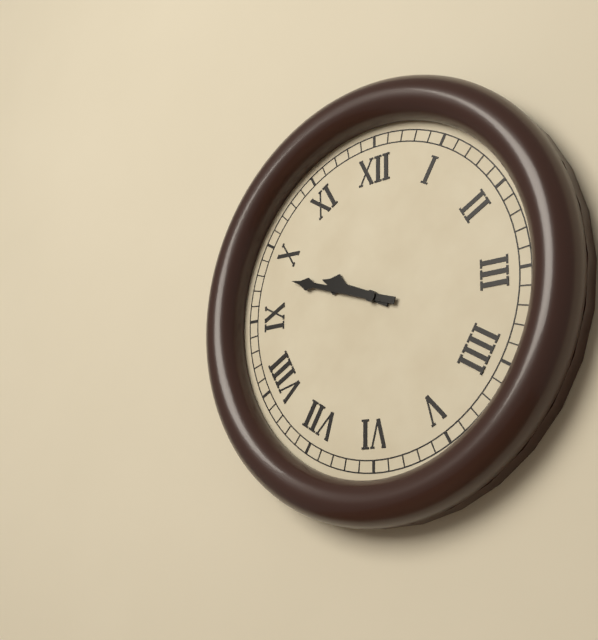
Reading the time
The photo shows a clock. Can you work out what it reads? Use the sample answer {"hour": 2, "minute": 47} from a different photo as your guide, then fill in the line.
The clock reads {"hour": 9, "minute": 48}
